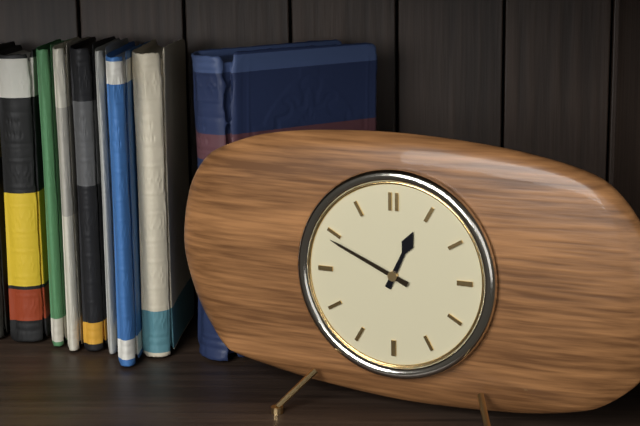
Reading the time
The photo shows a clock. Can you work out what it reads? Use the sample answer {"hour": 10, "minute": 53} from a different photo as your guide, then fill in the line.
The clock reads {"hour": 12, "minute": 49}
